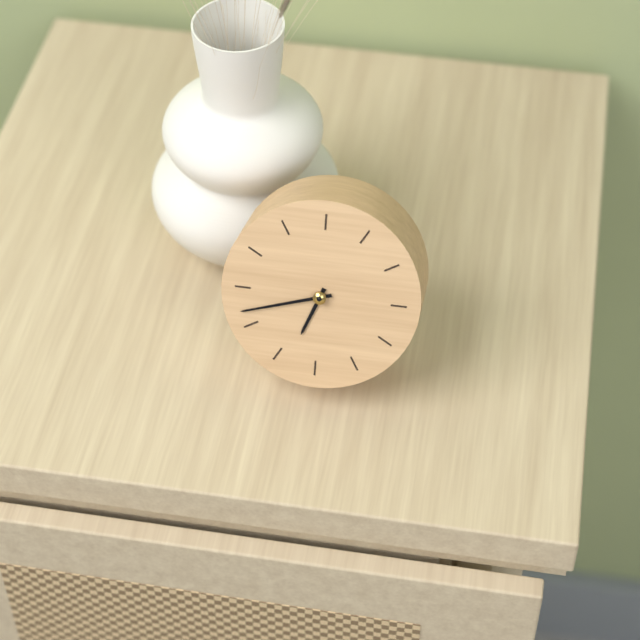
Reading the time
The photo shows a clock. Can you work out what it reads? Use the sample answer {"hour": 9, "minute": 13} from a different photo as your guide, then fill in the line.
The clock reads {"hour": 6, "minute": 42}
